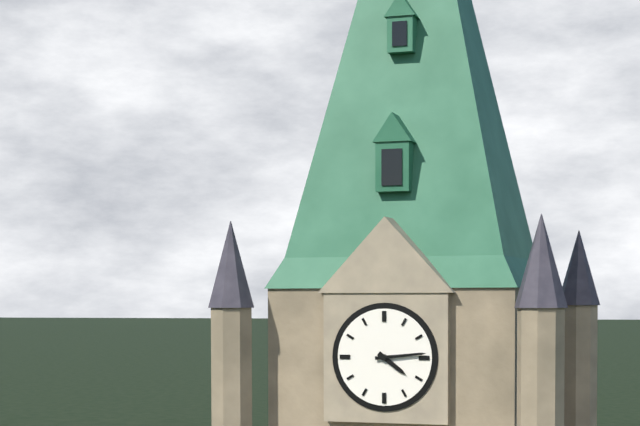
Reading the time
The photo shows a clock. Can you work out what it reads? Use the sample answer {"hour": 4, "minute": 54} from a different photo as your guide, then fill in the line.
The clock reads {"hour": 4, "minute": 14}
